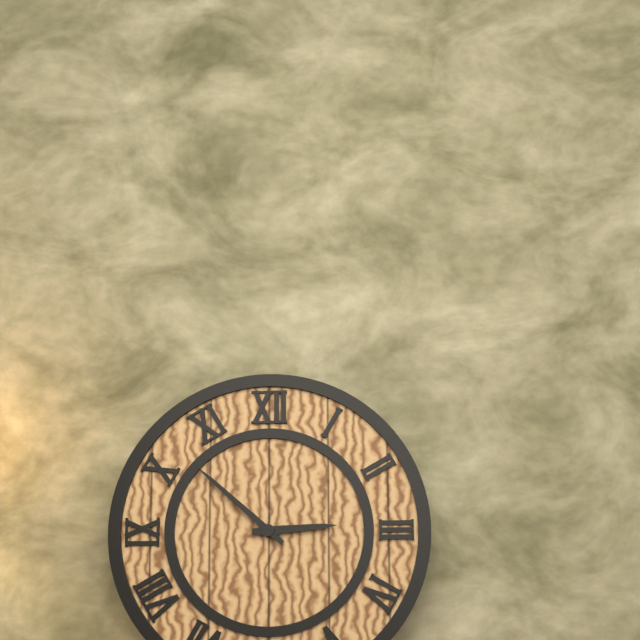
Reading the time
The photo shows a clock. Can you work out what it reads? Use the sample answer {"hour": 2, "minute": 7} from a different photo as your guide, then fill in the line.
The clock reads {"hour": 2, "minute": 52}
